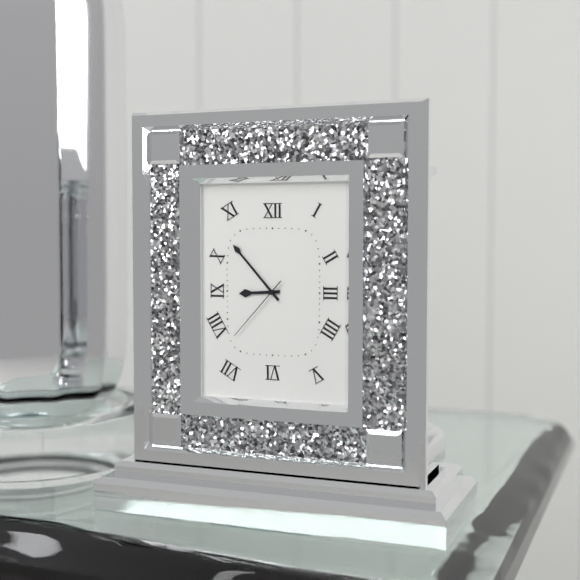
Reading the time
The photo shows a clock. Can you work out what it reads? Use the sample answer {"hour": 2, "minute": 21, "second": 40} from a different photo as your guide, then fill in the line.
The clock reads {"hour": 8, "minute": 53, "second": 37}
